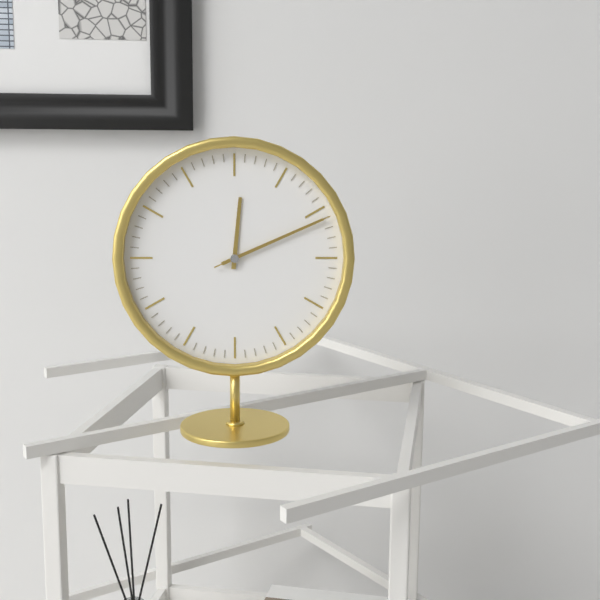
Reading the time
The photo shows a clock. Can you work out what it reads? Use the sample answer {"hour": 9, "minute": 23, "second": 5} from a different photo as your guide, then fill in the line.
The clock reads {"hour": 12, "minute": 11, "second": 11}
